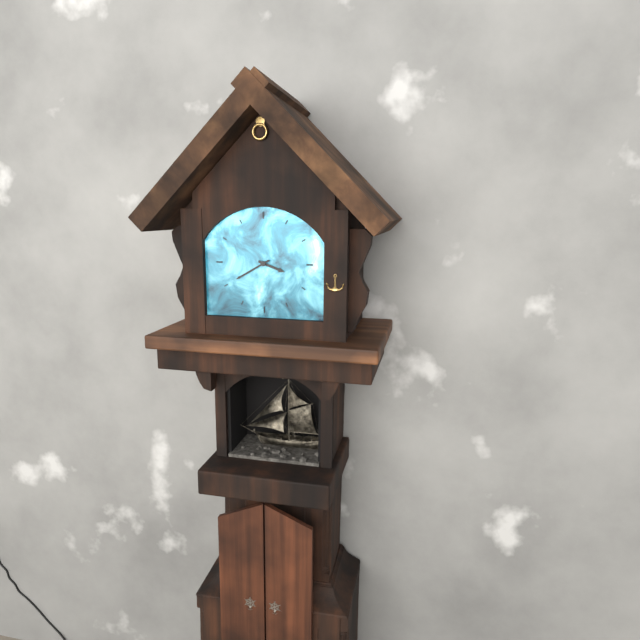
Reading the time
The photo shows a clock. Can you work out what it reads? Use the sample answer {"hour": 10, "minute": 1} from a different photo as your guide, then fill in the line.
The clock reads {"hour": 3, "minute": 40}
